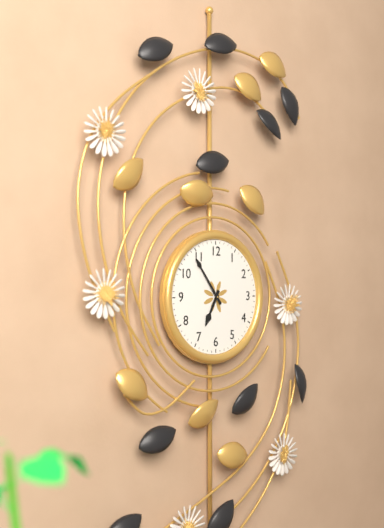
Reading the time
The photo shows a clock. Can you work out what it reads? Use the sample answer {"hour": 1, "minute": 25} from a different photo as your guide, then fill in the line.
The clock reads {"hour": 6, "minute": 54}
